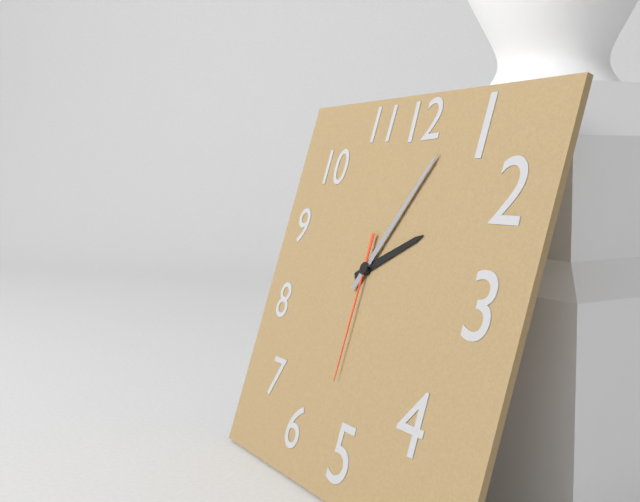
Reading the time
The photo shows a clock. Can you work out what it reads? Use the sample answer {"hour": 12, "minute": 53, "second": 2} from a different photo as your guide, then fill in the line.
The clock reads {"hour": 2, "minute": 5, "second": 30}
